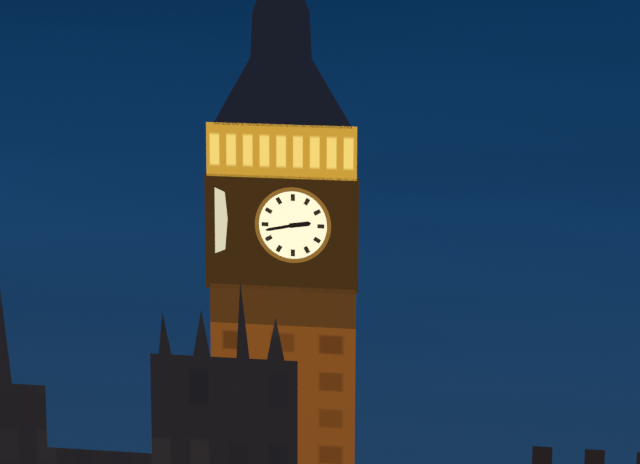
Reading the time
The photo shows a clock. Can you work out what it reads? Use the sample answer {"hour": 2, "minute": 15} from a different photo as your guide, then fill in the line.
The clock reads {"hour": 2, "minute": 43}
